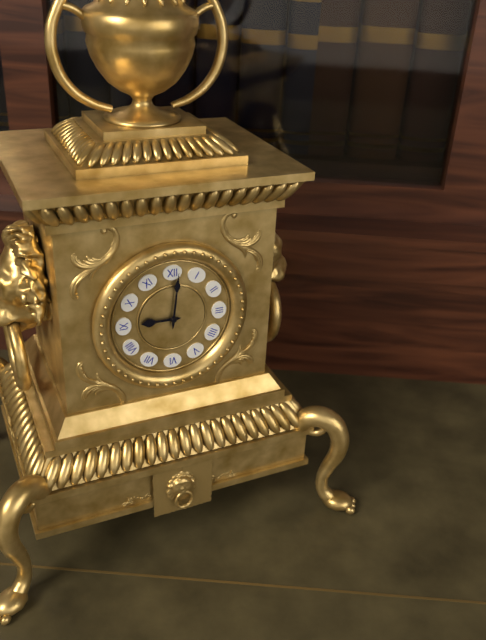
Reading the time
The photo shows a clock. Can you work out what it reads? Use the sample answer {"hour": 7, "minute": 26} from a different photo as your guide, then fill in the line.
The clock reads {"hour": 9, "minute": 1}
